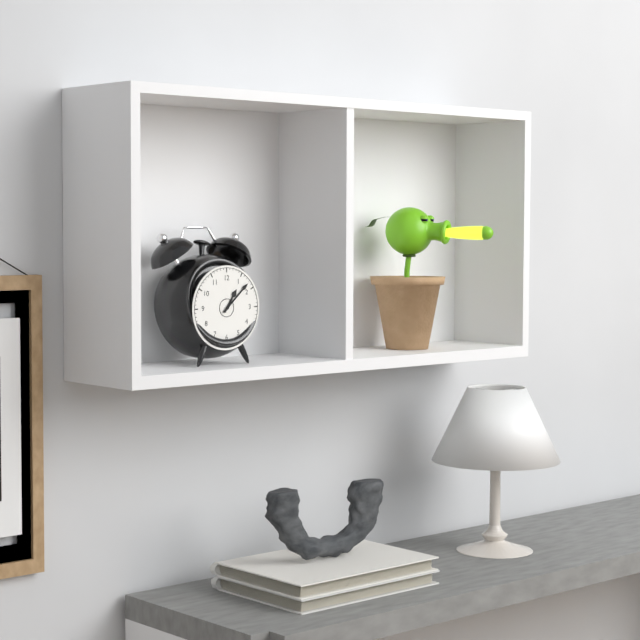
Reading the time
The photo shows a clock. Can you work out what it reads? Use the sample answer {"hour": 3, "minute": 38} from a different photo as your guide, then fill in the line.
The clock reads {"hour": 1, "minute": 8}
